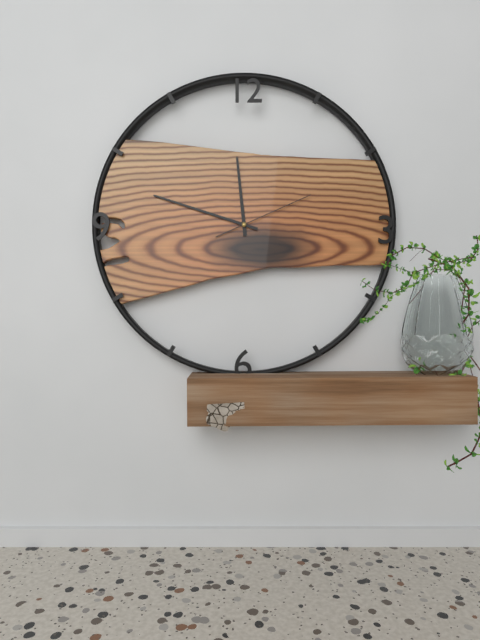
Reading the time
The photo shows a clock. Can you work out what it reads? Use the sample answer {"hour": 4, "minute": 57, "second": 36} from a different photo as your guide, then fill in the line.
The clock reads {"hour": 11, "minute": 48, "second": 11}
